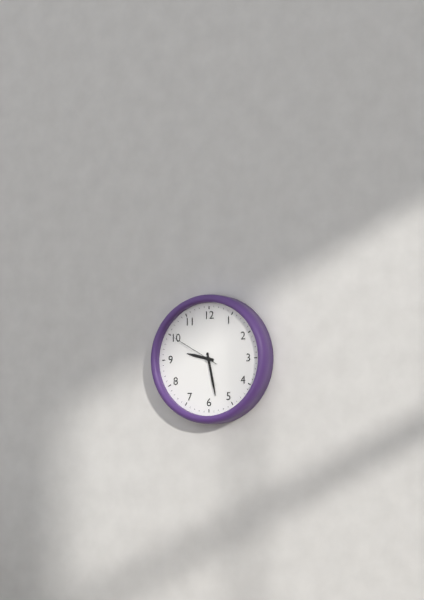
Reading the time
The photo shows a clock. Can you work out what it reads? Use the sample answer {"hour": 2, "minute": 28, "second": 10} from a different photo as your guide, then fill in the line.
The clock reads {"hour": 9, "minute": 28, "second": 50}
